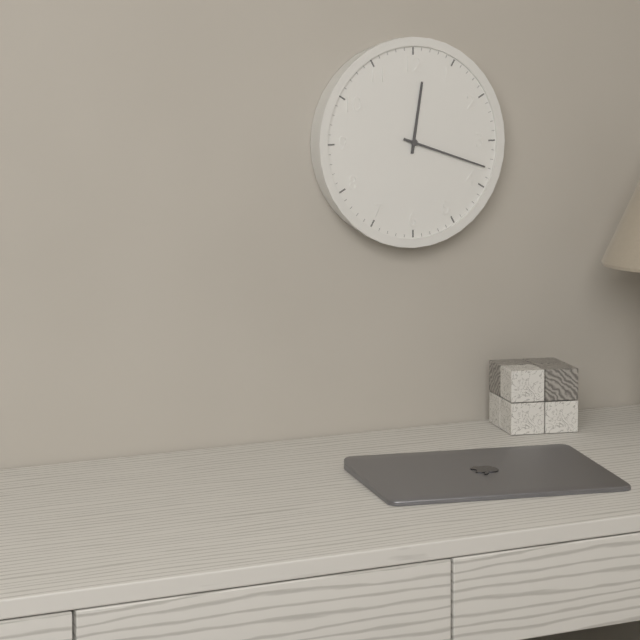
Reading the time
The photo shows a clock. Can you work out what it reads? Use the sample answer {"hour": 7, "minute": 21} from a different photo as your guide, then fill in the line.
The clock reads {"hour": 12, "minute": 18}
